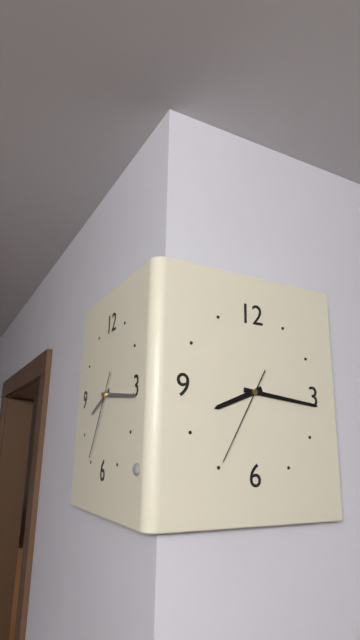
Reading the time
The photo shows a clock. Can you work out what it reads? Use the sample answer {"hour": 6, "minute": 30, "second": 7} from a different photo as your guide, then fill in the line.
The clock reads {"hour": 8, "minute": 16, "second": 35}
